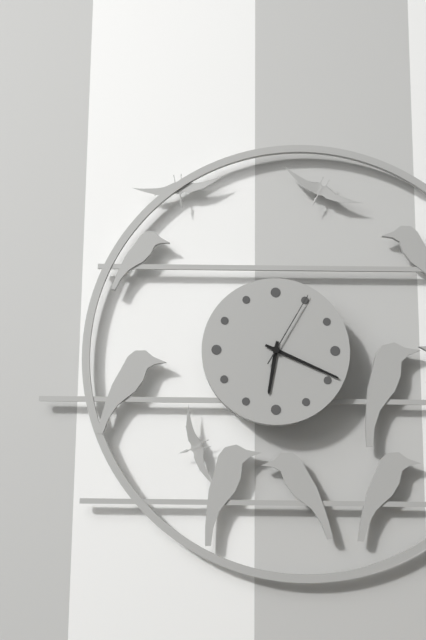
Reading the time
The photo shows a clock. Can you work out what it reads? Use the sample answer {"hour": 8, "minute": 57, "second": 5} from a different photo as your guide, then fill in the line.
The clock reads {"hour": 6, "minute": 19, "second": 5}
